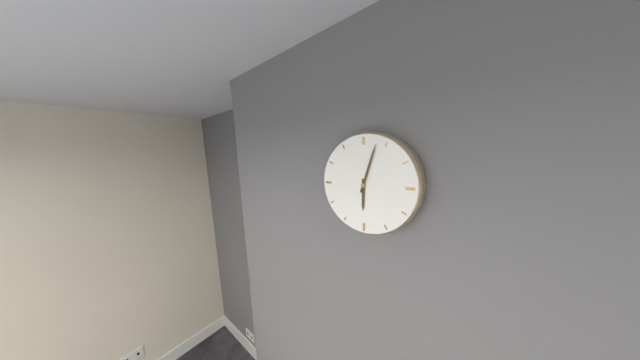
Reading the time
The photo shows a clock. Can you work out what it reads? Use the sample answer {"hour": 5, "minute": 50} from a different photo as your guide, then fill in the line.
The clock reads {"hour": 6, "minute": 3}
